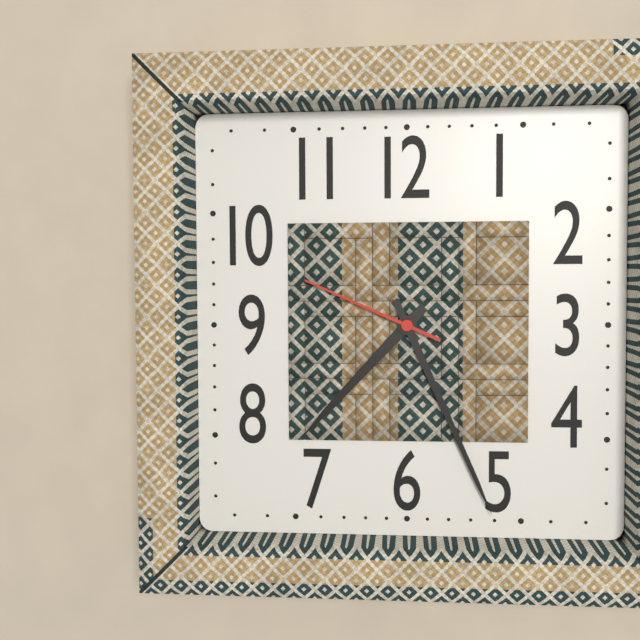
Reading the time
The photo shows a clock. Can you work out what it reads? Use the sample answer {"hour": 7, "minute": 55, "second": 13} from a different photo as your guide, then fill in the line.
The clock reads {"hour": 7, "minute": 26, "second": 49}
